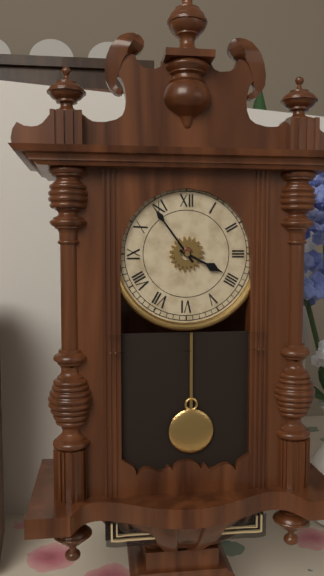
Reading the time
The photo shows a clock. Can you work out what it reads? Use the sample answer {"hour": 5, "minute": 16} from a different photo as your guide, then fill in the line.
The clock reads {"hour": 3, "minute": 54}
